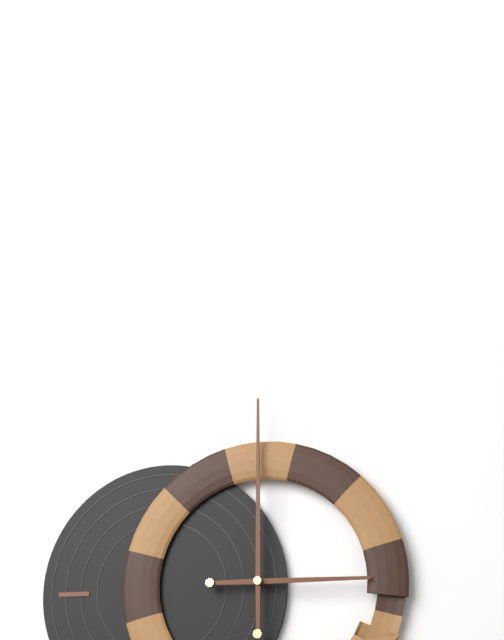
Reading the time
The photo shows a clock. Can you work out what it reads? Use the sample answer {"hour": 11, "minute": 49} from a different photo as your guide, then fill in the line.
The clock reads {"hour": 3, "minute": 0}
